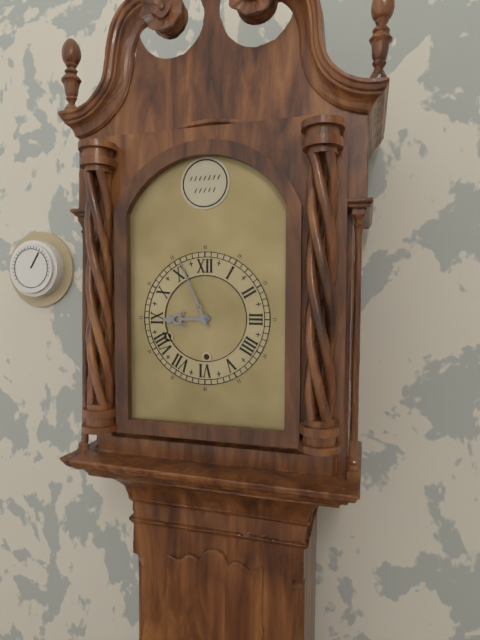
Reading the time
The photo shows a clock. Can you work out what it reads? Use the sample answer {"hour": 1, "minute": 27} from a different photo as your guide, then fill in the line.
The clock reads {"hour": 8, "minute": 56}
